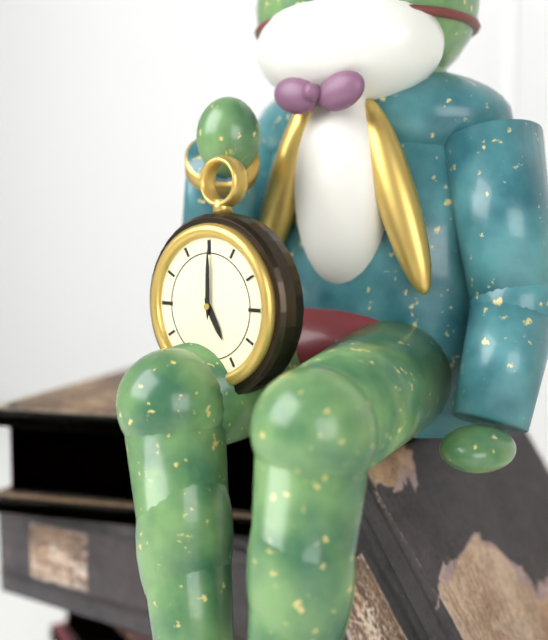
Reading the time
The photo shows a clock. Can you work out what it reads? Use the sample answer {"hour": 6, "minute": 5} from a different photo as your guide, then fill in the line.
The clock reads {"hour": 5, "minute": 0}
